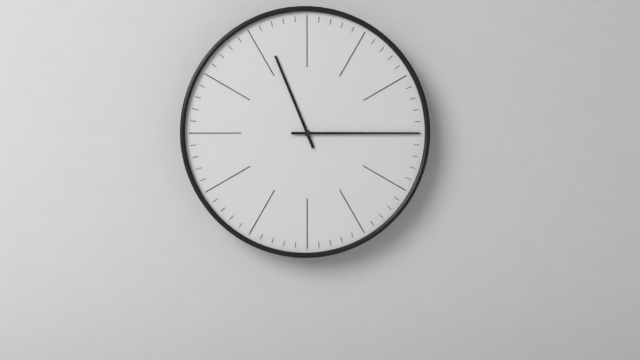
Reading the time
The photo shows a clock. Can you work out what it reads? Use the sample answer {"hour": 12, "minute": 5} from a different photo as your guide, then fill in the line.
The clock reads {"hour": 11, "minute": 15}
